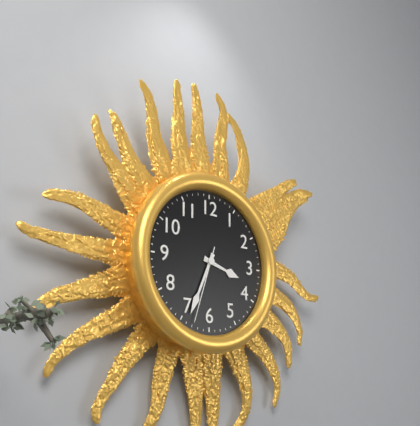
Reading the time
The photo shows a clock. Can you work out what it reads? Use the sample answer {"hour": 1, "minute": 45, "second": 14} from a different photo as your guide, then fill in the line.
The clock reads {"hour": 3, "minute": 34, "second": 33}
